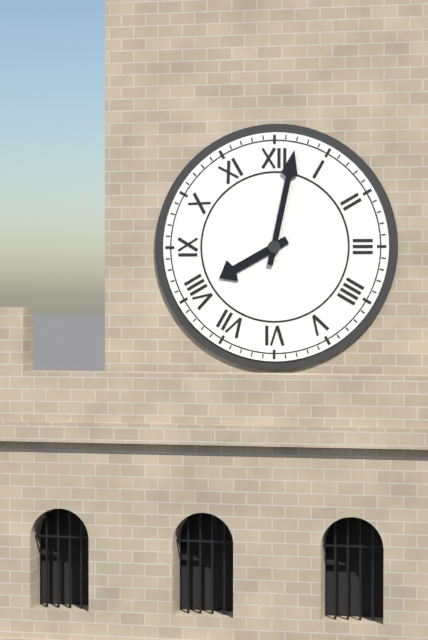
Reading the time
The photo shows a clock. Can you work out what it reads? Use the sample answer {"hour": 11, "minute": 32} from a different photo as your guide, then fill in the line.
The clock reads {"hour": 8, "minute": 2}
